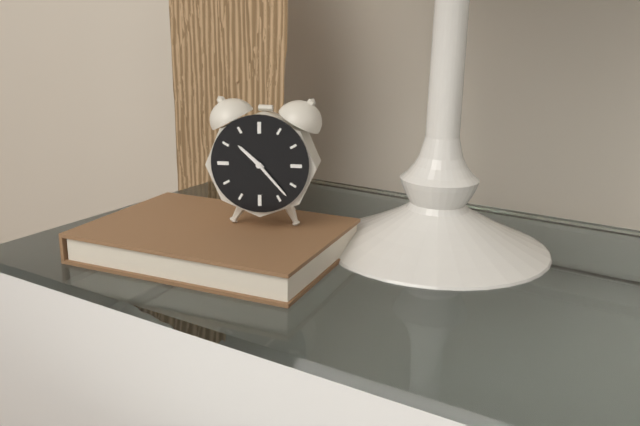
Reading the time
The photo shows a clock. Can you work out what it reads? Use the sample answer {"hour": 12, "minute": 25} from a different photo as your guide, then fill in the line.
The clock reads {"hour": 10, "minute": 23}
